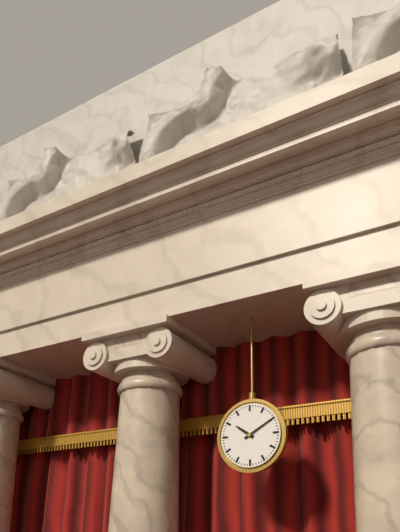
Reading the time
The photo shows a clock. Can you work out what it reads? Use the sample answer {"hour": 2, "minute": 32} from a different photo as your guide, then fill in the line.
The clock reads {"hour": 10, "minute": 10}
